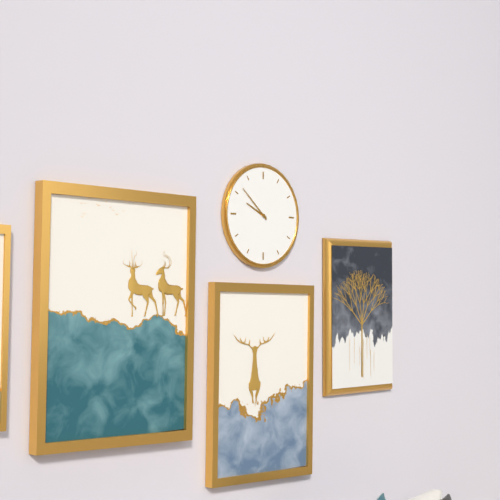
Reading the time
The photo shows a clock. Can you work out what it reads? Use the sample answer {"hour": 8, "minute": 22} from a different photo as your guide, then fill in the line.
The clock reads {"hour": 9, "minute": 52}
